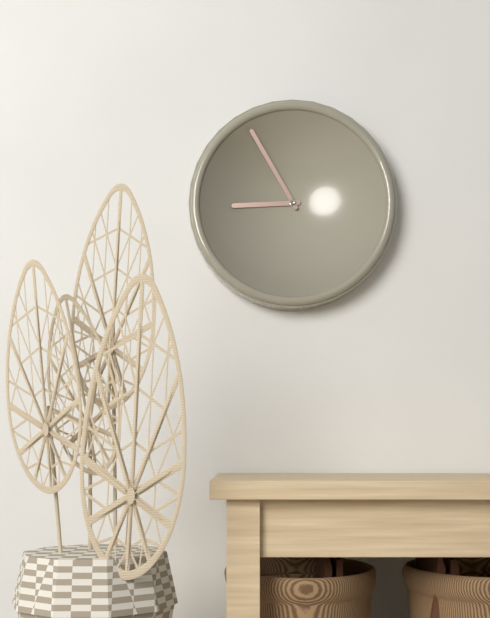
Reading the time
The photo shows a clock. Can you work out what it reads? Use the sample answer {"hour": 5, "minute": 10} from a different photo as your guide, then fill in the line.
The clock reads {"hour": 8, "minute": 55}
